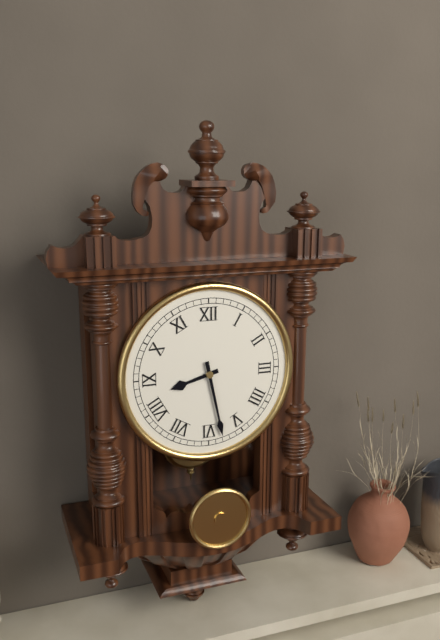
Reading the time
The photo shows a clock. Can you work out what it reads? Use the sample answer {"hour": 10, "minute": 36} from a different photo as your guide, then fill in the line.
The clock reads {"hour": 8, "minute": 28}
